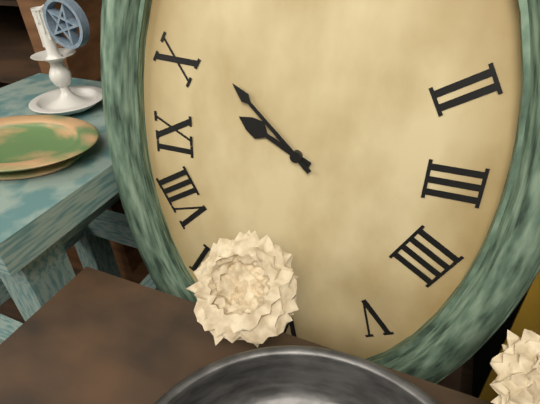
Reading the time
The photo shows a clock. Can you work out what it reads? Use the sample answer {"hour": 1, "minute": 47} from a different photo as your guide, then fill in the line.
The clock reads {"hour": 9, "minute": 52}
